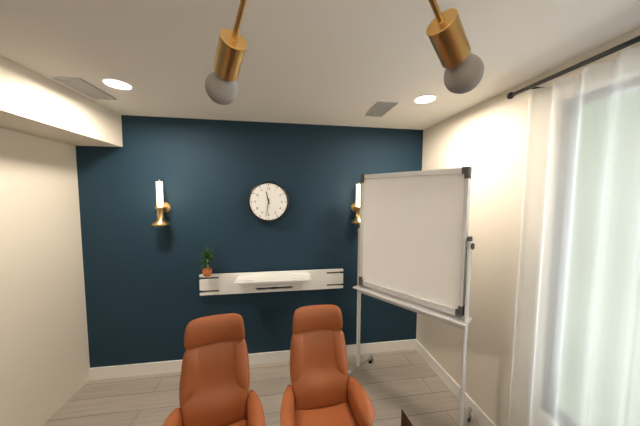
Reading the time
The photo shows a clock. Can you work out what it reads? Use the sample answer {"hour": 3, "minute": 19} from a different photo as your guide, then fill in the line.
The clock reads {"hour": 11, "minute": 32}
